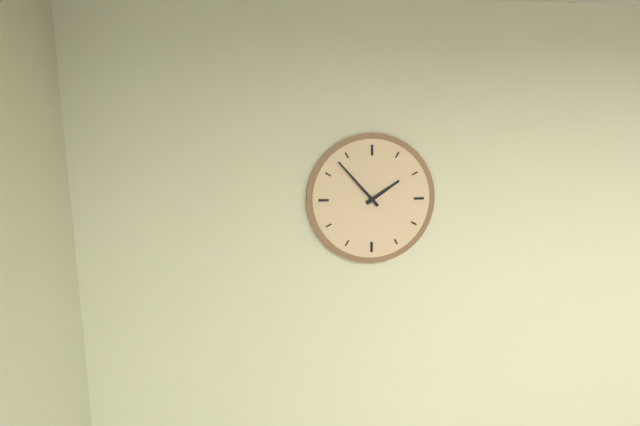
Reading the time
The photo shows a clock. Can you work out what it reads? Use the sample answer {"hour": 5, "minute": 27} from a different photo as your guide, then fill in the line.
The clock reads {"hour": 1, "minute": 53}
